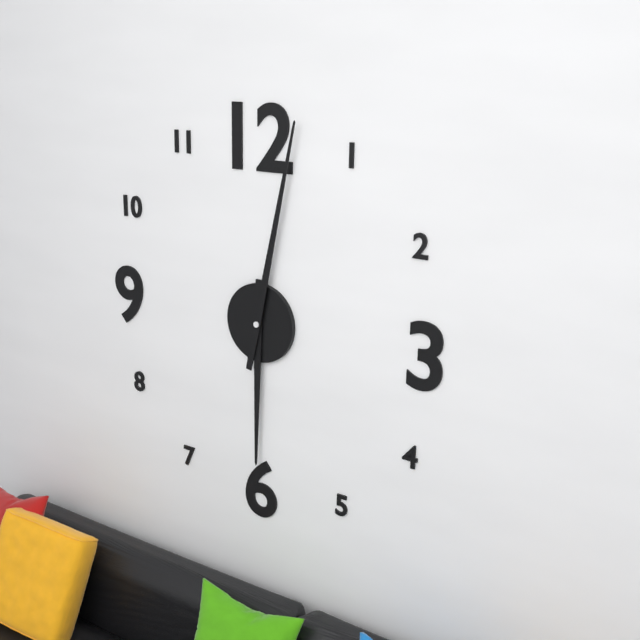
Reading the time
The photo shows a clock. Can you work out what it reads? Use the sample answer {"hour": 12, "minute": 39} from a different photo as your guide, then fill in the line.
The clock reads {"hour": 6, "minute": 2}
